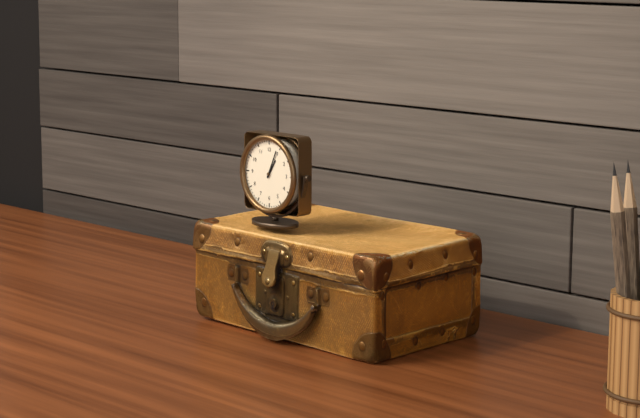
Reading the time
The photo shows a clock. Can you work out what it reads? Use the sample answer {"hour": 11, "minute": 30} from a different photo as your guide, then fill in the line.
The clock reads {"hour": 1, "minute": 4}
